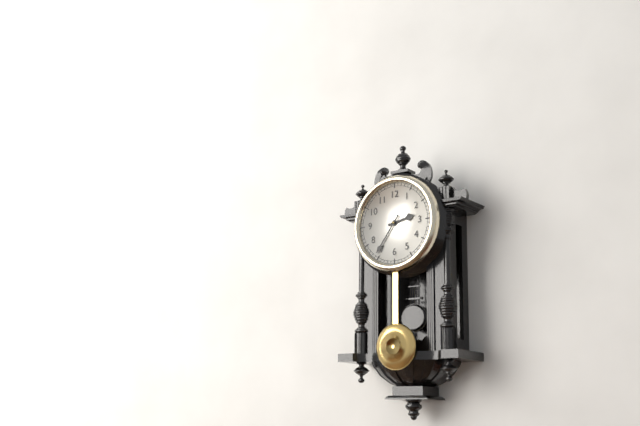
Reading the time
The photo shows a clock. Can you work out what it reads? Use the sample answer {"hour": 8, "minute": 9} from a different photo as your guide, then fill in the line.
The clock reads {"hour": 2, "minute": 36}
